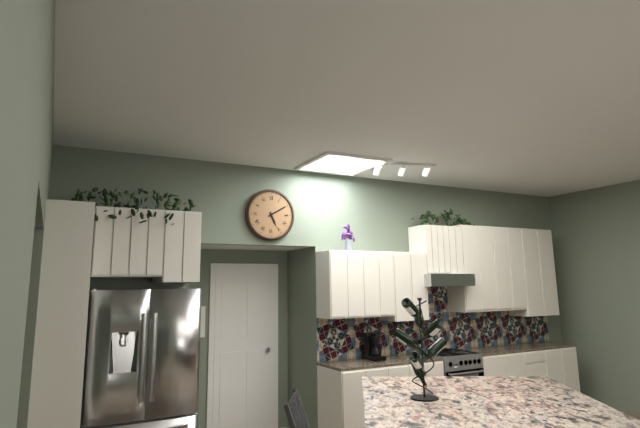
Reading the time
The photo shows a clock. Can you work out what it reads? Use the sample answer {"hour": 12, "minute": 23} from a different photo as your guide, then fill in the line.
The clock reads {"hour": 5, "minute": 10}
